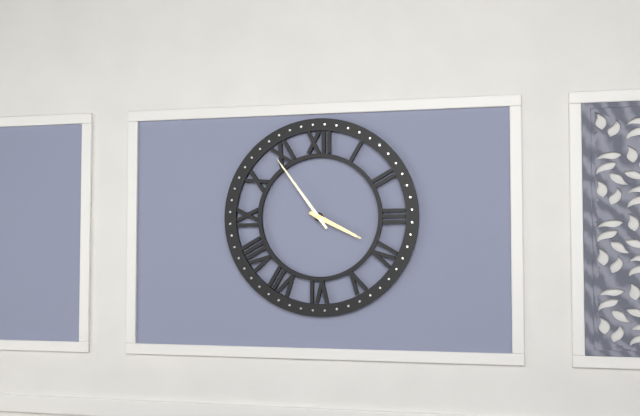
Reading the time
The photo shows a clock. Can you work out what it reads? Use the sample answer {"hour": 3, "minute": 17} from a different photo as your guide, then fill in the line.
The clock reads {"hour": 3, "minute": 54}
